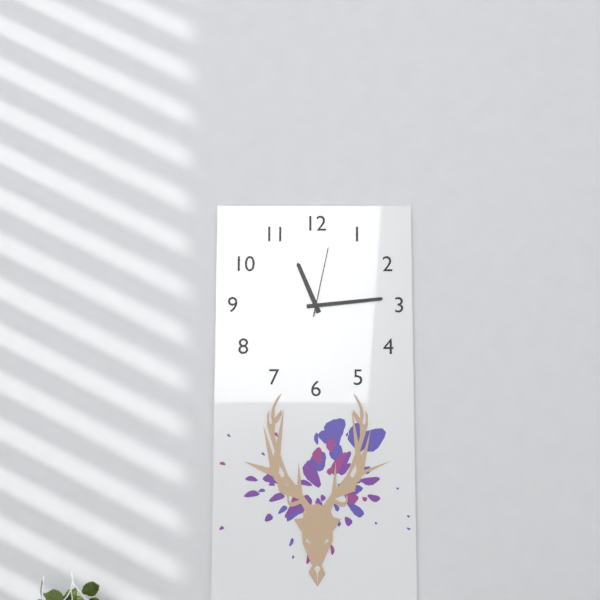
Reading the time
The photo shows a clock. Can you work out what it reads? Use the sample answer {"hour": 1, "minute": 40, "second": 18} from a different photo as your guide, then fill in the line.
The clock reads {"hour": 11, "minute": 14, "second": 2}
